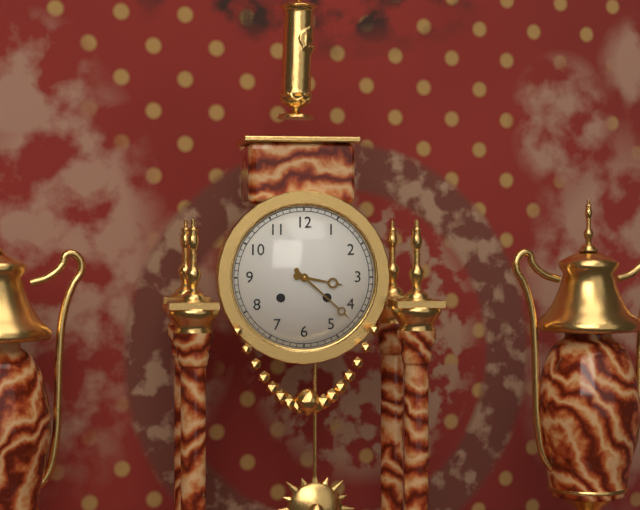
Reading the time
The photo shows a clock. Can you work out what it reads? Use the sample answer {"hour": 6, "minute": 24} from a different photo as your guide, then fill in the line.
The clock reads {"hour": 3, "minute": 22}
